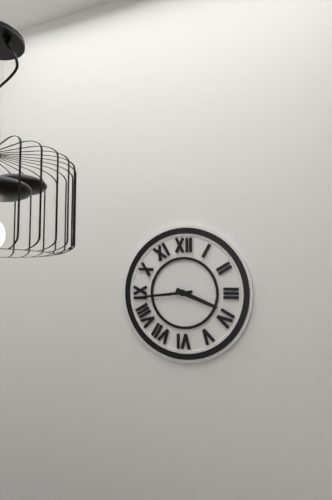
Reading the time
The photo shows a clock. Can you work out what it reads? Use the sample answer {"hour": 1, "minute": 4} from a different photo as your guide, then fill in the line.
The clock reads {"hour": 3, "minute": 44}
